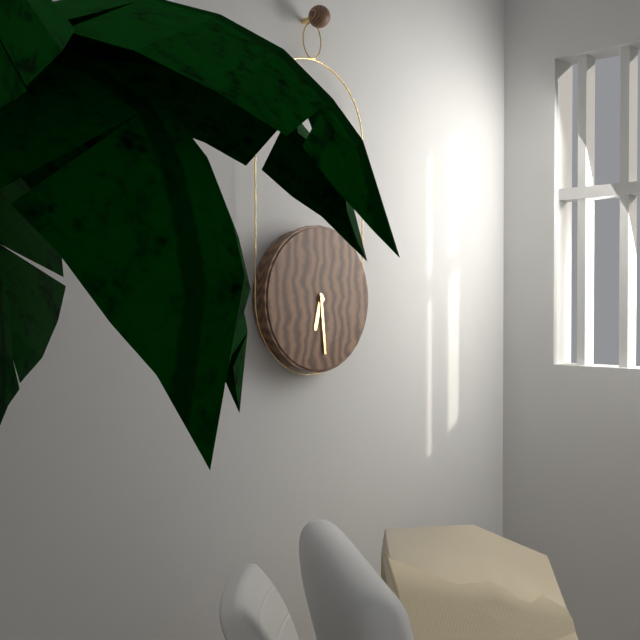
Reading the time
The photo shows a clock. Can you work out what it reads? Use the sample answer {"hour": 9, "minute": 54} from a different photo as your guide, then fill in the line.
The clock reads {"hour": 6, "minute": 29}
